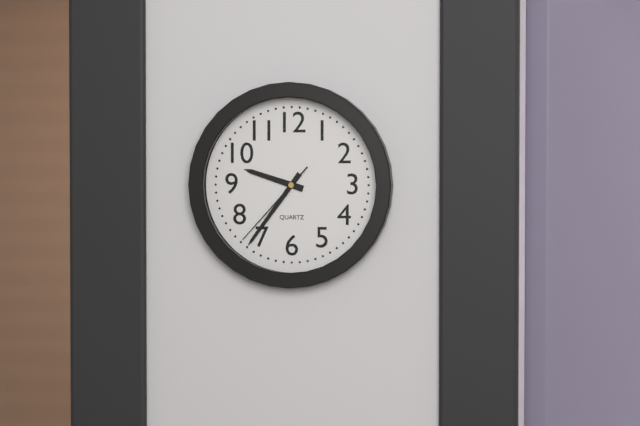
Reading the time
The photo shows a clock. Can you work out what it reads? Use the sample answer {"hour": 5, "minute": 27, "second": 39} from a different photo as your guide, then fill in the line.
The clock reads {"hour": 9, "minute": 36, "second": 37}
